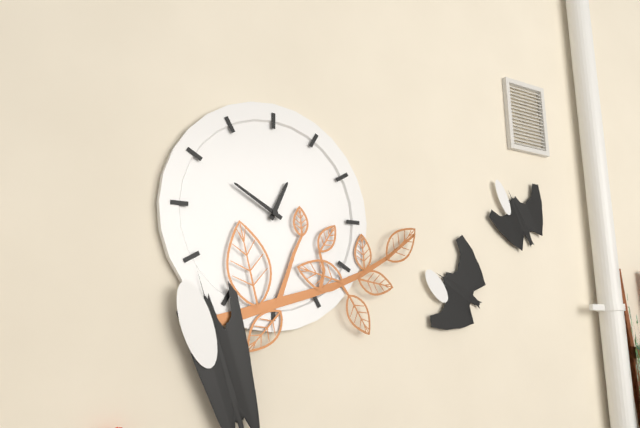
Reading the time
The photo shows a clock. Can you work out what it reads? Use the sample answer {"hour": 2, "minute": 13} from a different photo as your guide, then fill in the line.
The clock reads {"hour": 12, "minute": 50}
